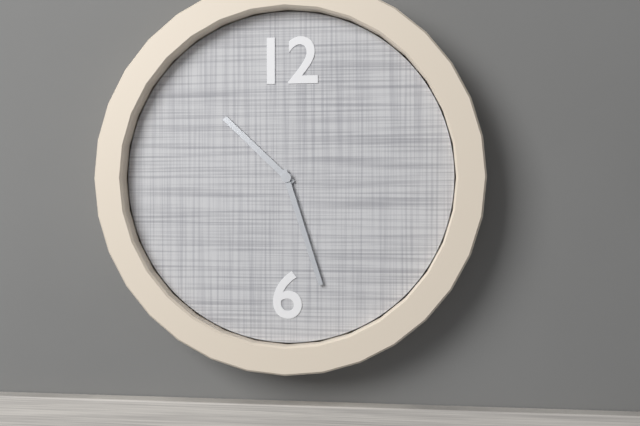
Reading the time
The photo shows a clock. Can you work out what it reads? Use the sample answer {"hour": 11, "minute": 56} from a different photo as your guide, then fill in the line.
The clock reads {"hour": 10, "minute": 27}
